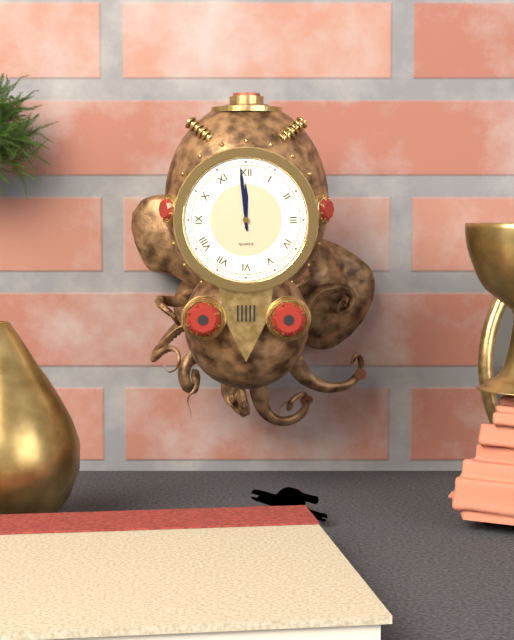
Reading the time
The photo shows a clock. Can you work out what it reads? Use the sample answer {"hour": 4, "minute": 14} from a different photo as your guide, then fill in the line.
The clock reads {"hour": 11, "minute": 59}
